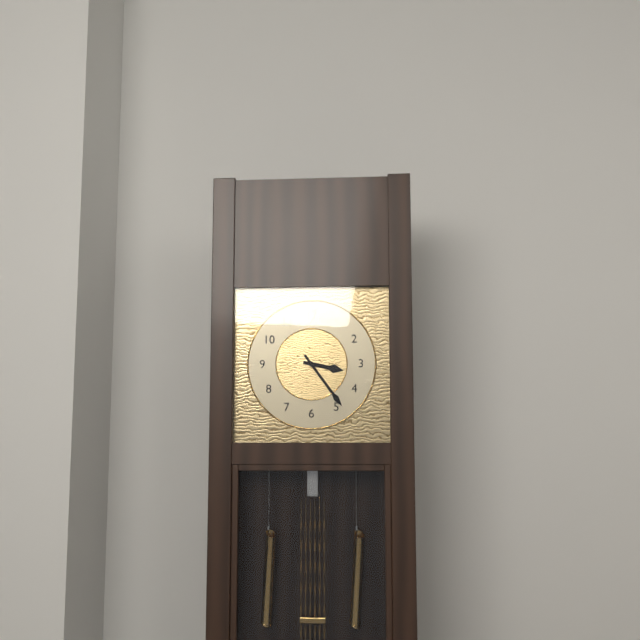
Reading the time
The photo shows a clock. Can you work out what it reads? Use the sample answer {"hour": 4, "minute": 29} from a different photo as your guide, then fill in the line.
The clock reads {"hour": 3, "minute": 24}
